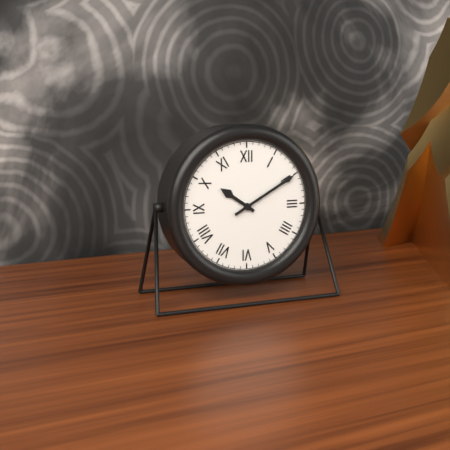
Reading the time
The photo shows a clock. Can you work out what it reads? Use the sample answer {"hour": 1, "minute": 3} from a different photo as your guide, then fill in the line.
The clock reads {"hour": 10, "minute": 10}
